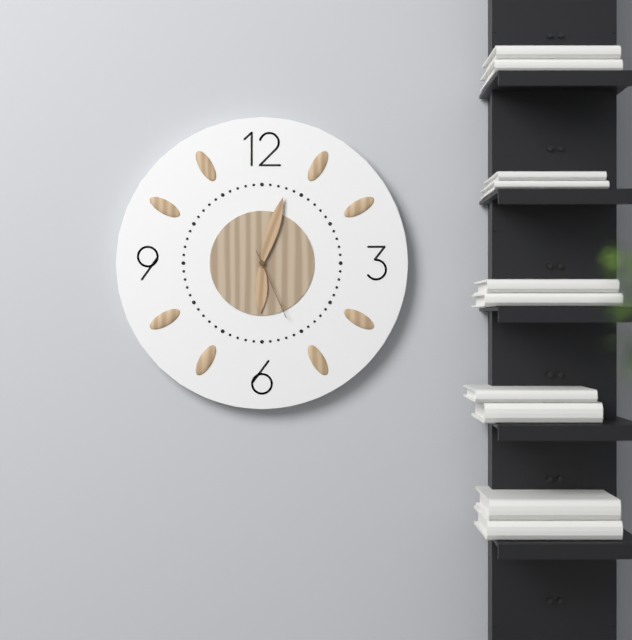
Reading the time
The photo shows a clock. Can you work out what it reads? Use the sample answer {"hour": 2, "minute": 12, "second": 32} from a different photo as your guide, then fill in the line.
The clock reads {"hour": 6, "minute": 3, "second": 26}
